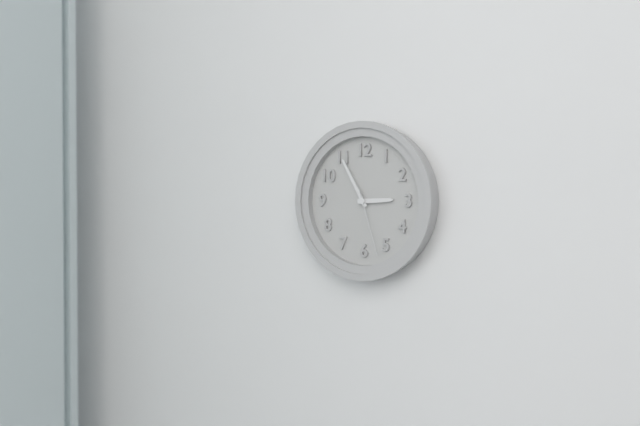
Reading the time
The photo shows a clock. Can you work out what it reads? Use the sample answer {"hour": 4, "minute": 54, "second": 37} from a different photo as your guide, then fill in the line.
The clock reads {"hour": 2, "minute": 55, "second": 27}
